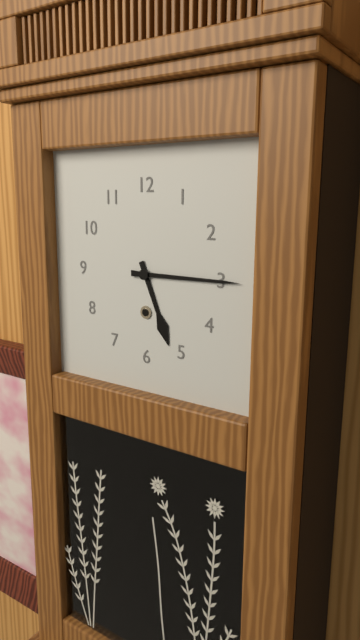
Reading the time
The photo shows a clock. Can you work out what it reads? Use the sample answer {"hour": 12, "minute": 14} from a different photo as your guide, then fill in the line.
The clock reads {"hour": 5, "minute": 15}
